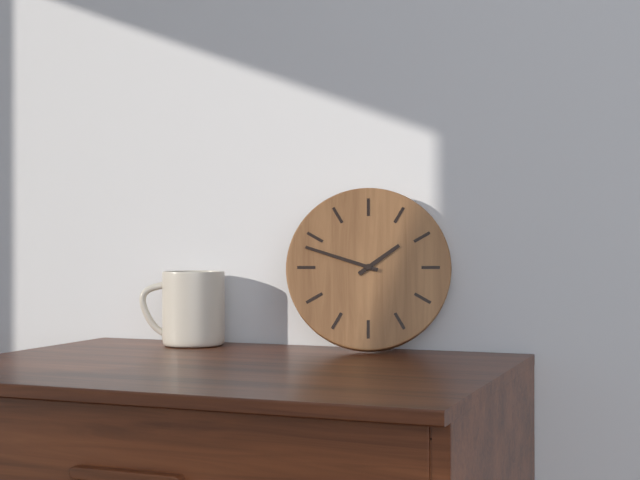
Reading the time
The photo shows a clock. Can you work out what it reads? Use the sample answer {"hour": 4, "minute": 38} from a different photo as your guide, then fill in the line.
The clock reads {"hour": 1, "minute": 48}
